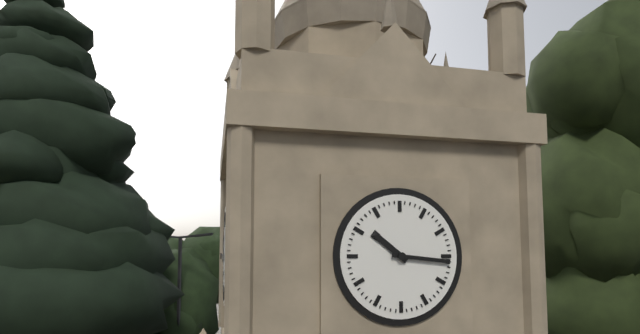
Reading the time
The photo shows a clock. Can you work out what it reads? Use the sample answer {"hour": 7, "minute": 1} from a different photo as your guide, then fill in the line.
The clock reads {"hour": 10, "minute": 16}
